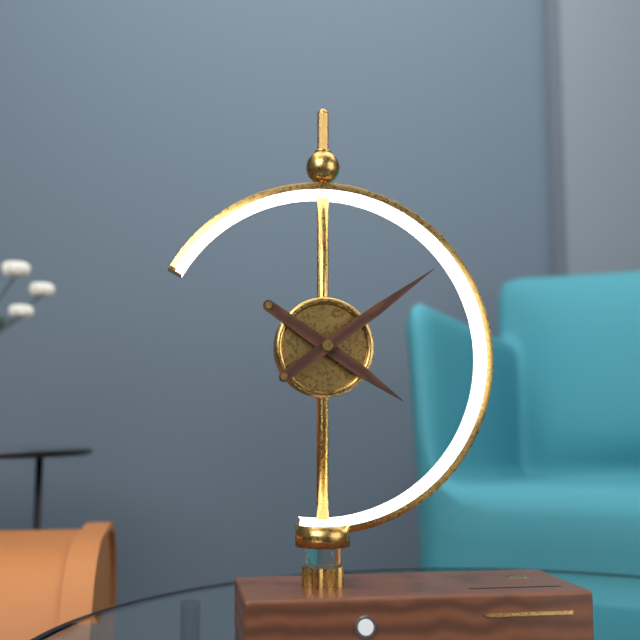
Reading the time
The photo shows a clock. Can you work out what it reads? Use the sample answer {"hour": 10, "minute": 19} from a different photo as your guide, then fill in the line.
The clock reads {"hour": 4, "minute": 9}
